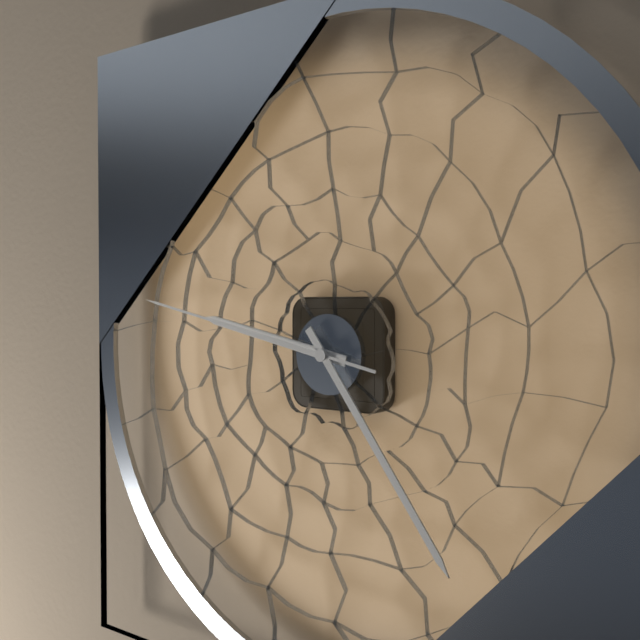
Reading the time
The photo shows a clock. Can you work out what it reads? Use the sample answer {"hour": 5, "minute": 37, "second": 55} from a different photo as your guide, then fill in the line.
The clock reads {"hour": 9, "minute": 24, "second": 47}
